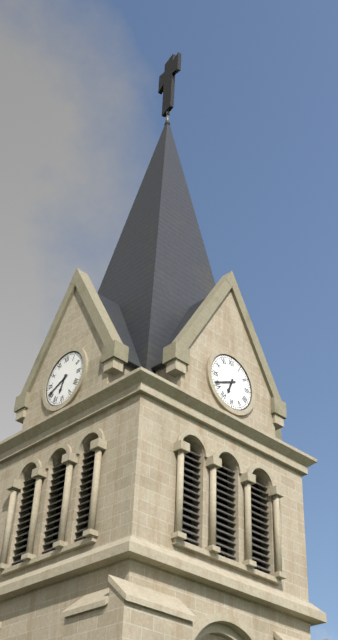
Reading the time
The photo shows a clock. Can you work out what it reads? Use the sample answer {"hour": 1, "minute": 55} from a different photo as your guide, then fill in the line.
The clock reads {"hour": 6, "minute": 41}
